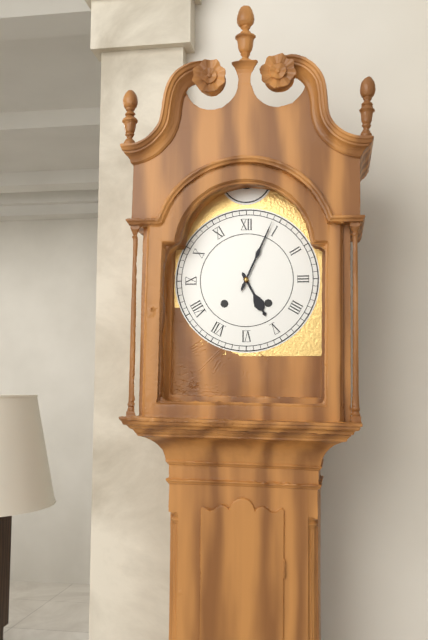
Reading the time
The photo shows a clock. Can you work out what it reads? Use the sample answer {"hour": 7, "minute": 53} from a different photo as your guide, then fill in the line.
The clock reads {"hour": 5, "minute": 4}
